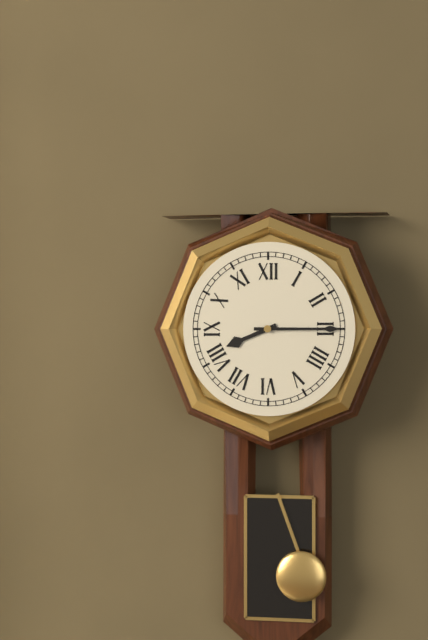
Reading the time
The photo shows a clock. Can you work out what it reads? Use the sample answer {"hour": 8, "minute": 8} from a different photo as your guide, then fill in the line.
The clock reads {"hour": 8, "minute": 15}
